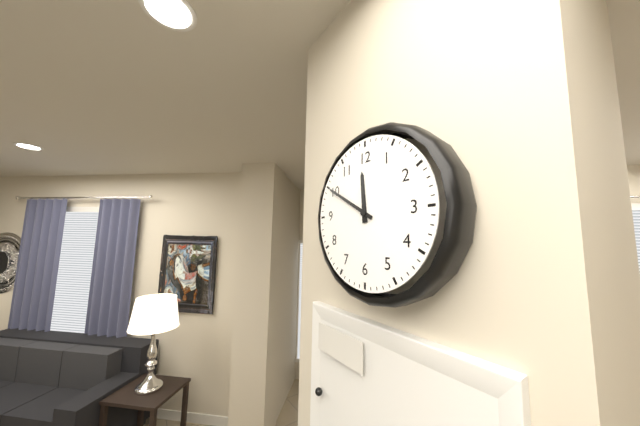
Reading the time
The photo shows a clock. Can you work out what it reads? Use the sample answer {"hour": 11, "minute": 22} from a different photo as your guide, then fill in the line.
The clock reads {"hour": 11, "minute": 50}
